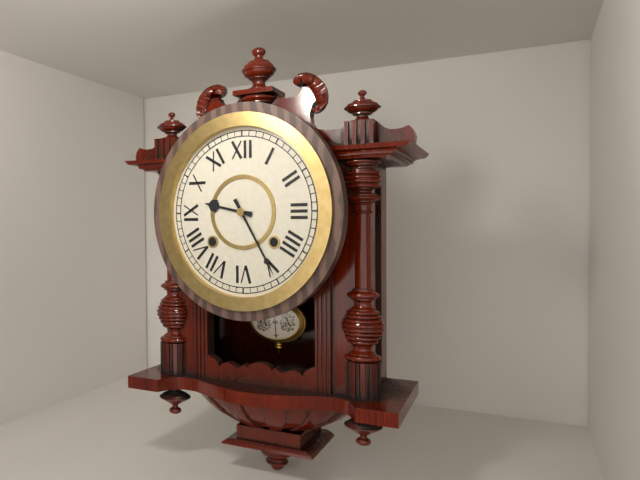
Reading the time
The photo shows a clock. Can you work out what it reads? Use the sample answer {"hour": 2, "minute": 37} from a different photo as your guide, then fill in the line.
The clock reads {"hour": 9, "minute": 25}
